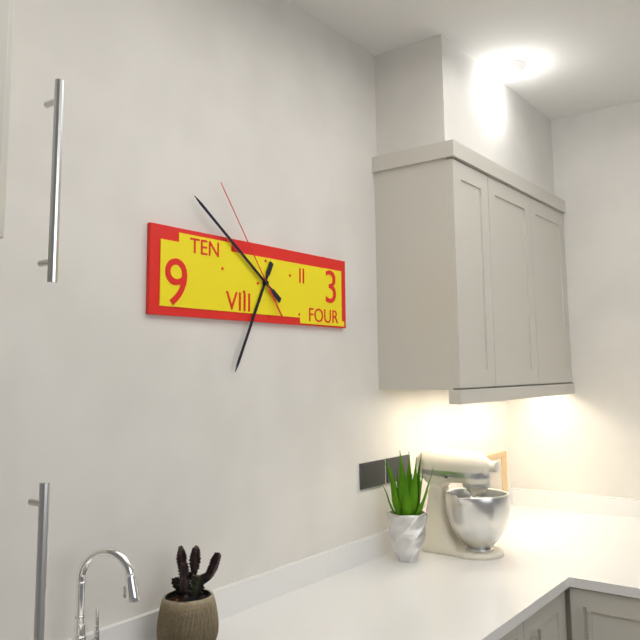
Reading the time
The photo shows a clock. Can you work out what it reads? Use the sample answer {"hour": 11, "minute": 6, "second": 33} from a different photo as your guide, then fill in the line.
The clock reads {"hour": 6, "minute": 51, "second": 54}
